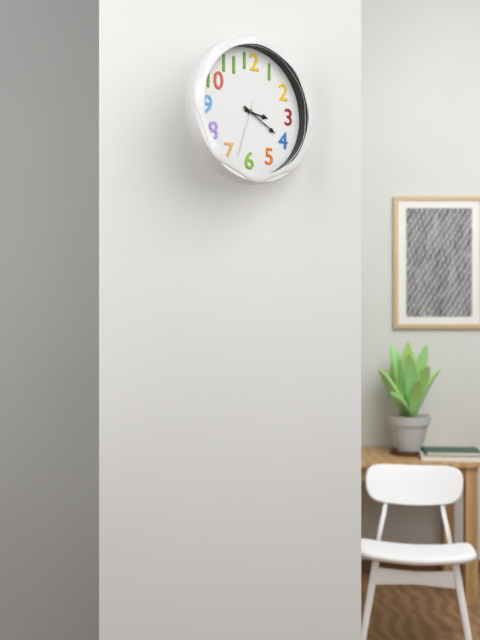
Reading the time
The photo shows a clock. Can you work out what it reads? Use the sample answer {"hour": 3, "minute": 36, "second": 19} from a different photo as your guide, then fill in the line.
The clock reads {"hour": 3, "minute": 20, "second": 33}
